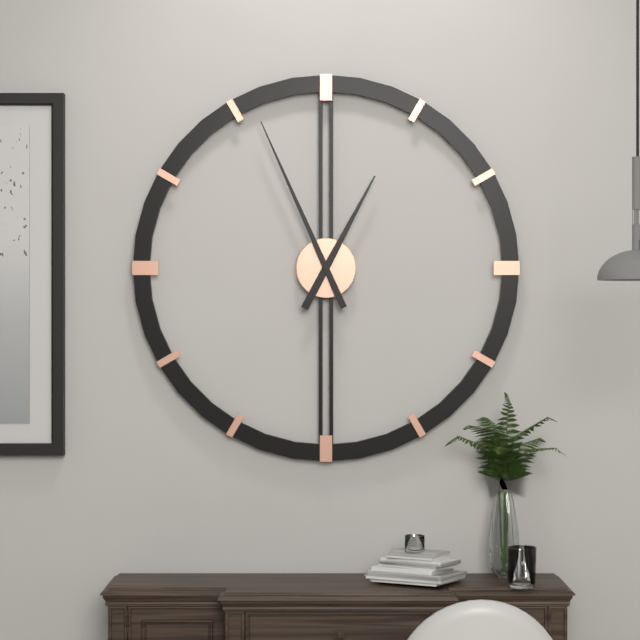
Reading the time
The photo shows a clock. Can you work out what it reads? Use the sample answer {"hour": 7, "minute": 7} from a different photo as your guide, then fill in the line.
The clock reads {"hour": 12, "minute": 56}
